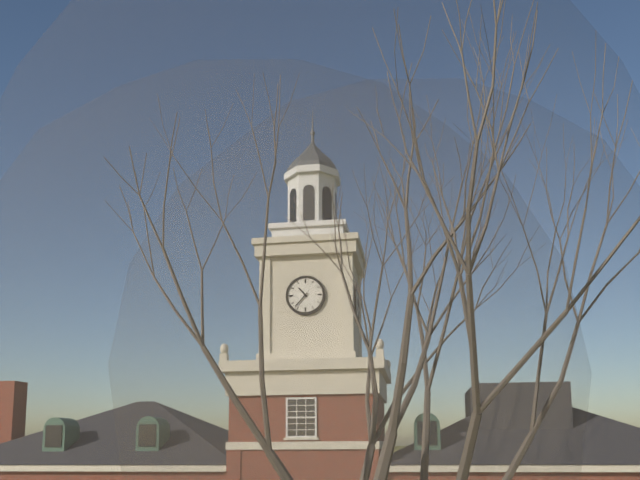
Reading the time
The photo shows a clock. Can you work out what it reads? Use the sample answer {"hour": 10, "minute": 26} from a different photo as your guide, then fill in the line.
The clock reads {"hour": 10, "minute": 37}
